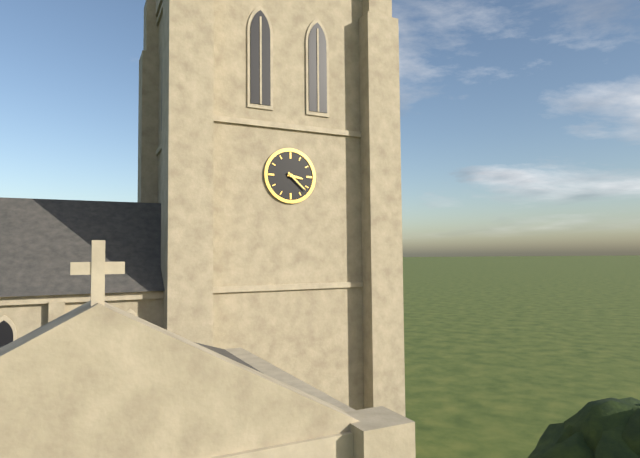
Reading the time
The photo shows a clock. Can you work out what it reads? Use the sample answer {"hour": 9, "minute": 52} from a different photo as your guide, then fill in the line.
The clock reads {"hour": 3, "minute": 22}
